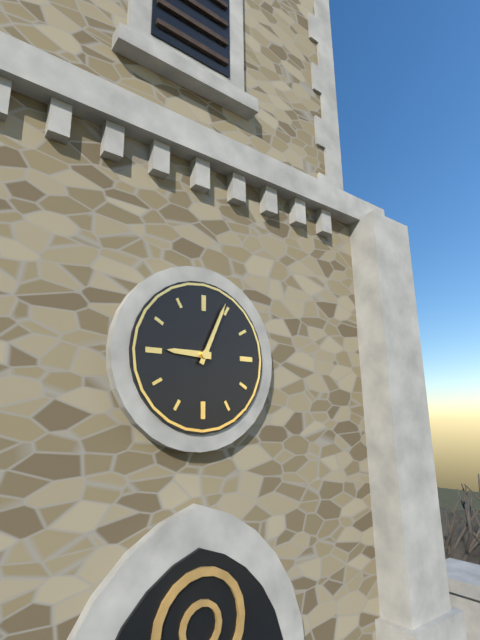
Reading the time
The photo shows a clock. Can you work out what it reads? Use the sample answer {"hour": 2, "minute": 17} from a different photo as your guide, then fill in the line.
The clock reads {"hour": 9, "minute": 4}
